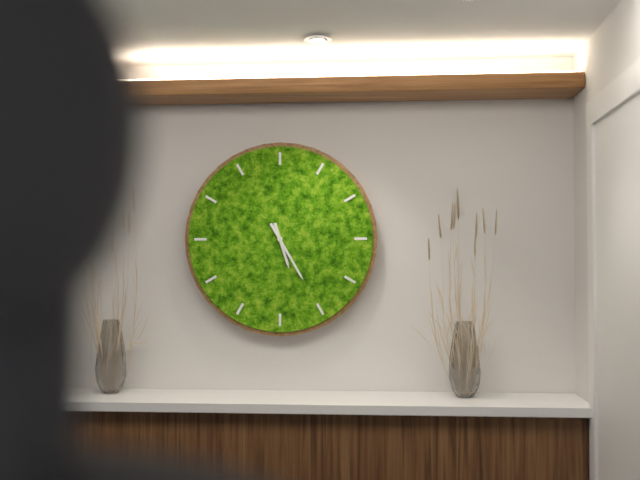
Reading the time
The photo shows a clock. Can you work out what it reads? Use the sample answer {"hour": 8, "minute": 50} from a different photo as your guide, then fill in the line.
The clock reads {"hour": 5, "minute": 25}
